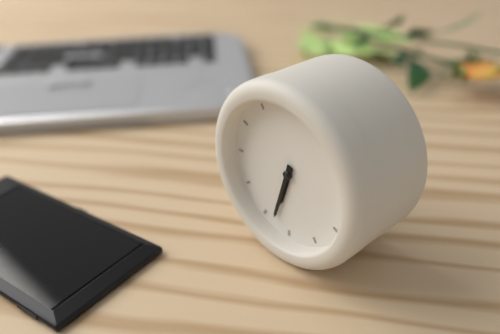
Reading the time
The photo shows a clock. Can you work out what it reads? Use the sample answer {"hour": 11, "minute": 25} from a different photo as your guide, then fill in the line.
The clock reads {"hour": 6, "minute": 33}
